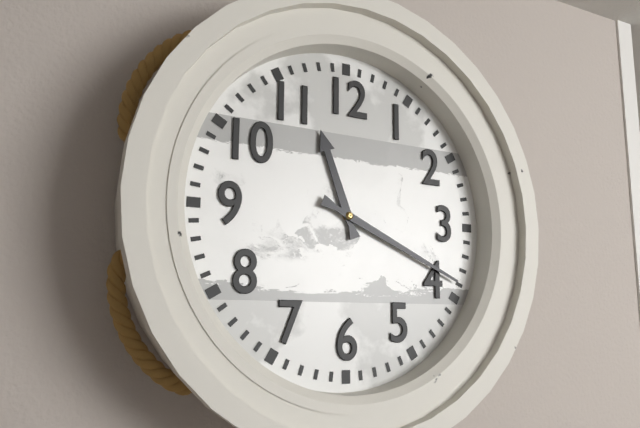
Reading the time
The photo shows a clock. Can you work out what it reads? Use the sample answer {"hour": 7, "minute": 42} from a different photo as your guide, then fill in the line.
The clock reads {"hour": 11, "minute": 19}
